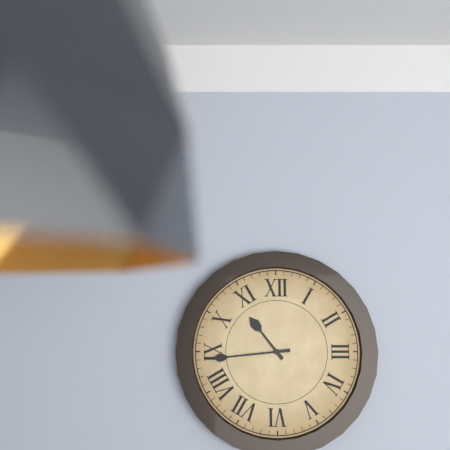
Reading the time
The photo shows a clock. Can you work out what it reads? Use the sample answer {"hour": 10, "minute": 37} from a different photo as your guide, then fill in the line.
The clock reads {"hour": 10, "minute": 44}
